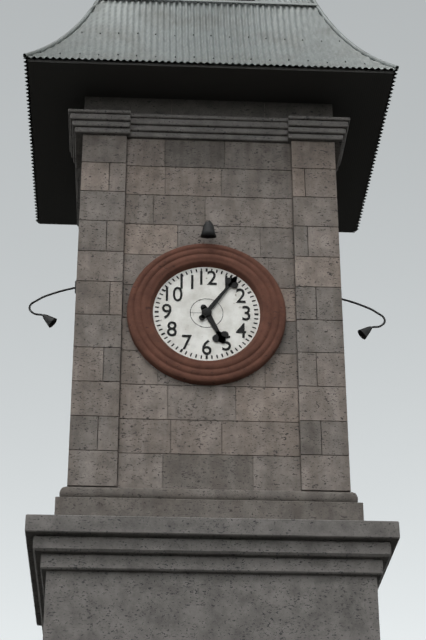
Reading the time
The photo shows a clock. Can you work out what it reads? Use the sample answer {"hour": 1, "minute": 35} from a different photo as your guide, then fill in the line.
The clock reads {"hour": 5, "minute": 6}
